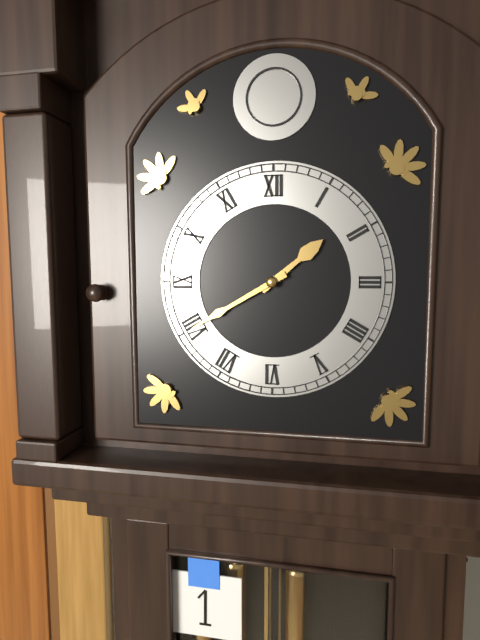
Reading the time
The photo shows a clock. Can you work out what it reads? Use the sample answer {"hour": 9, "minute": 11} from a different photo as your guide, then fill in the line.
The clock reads {"hour": 1, "minute": 40}
